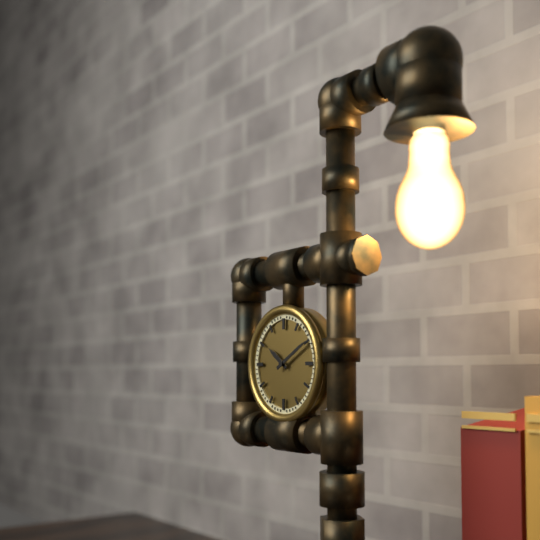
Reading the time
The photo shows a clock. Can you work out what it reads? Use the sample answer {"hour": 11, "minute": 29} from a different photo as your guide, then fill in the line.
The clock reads {"hour": 10, "minute": 10}
